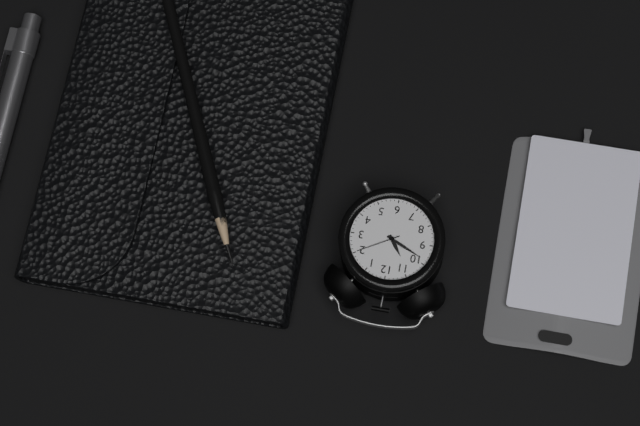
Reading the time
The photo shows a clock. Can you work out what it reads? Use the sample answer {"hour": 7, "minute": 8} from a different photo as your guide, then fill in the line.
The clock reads {"hour": 10, "minute": 49}
